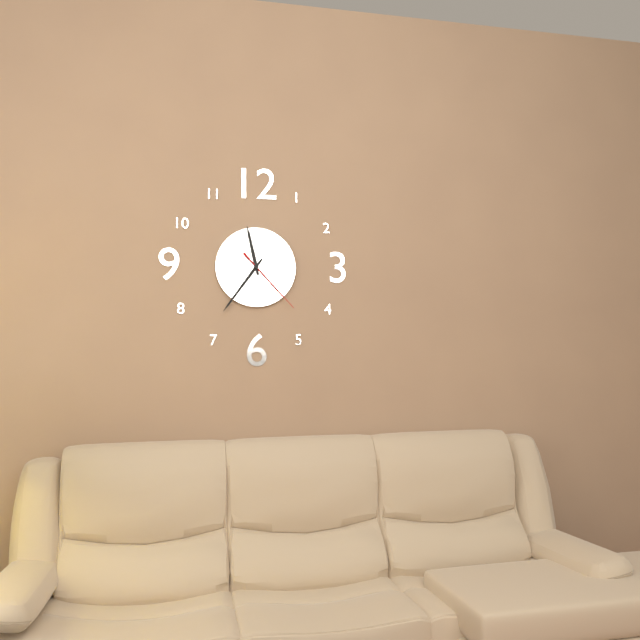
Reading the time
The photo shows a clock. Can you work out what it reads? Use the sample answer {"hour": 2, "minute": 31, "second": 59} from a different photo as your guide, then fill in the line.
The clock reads {"hour": 11, "minute": 36, "second": 23}
